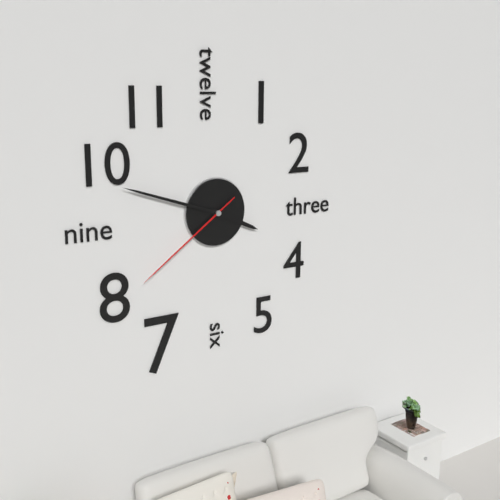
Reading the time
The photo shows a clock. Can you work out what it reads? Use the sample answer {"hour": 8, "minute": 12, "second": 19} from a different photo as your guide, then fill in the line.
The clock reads {"hour": 3, "minute": 48, "second": 39}
